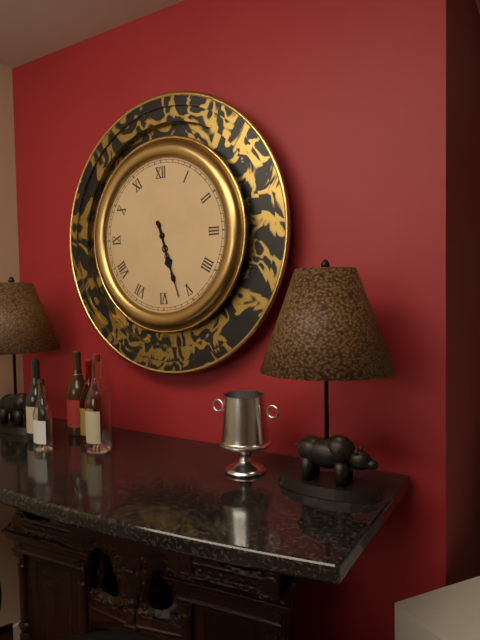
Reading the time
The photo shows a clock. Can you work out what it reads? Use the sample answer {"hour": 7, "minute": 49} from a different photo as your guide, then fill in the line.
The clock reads {"hour": 5, "minute": 27}
